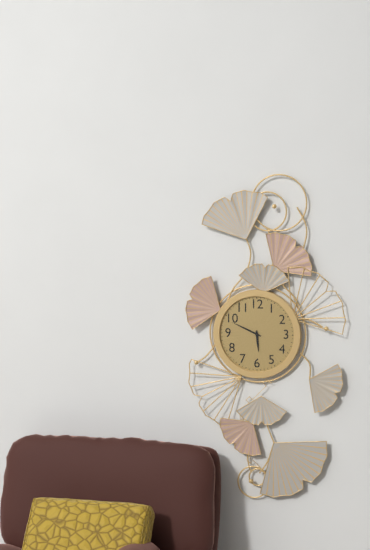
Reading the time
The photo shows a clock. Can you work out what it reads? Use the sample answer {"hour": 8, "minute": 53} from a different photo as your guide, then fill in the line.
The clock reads {"hour": 5, "minute": 49}
